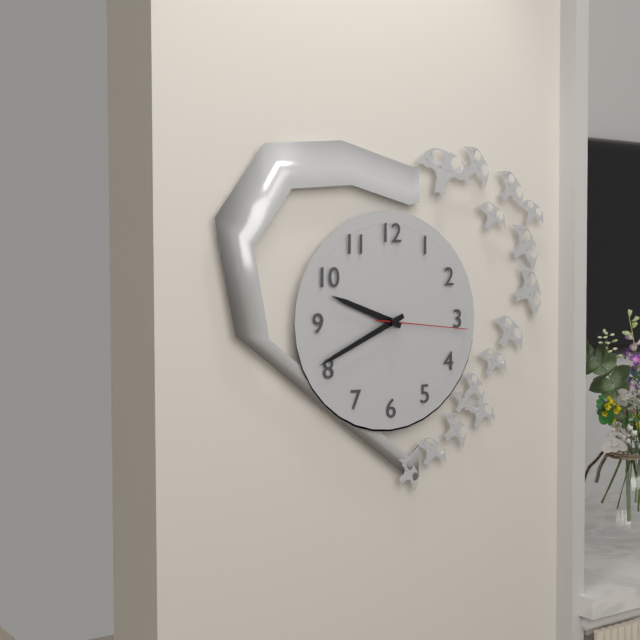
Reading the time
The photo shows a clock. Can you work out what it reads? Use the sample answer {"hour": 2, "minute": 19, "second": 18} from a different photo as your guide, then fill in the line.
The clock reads {"hour": 9, "minute": 41, "second": 16}
